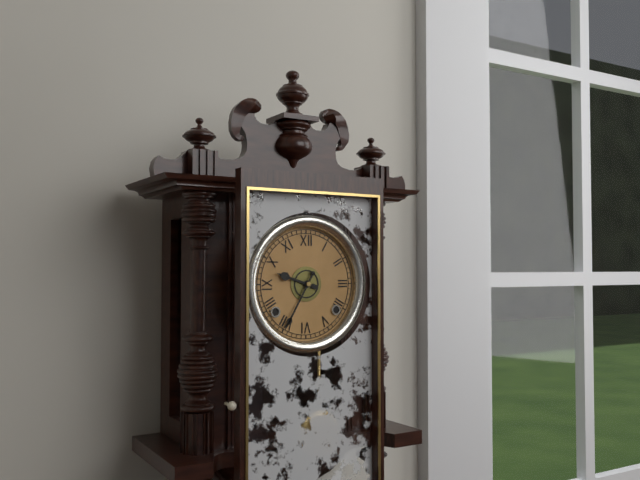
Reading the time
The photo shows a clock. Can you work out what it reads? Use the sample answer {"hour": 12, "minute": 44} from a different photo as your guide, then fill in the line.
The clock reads {"hour": 9, "minute": 35}
